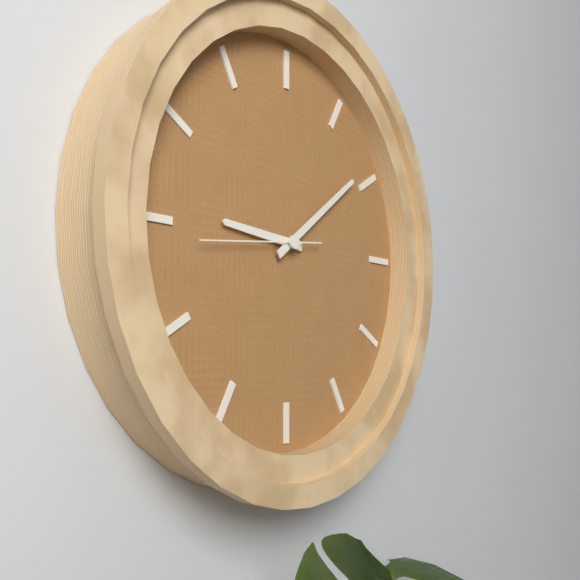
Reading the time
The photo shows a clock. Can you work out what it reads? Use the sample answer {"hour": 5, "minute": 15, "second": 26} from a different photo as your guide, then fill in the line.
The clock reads {"hour": 9, "minute": 9, "second": 44}
